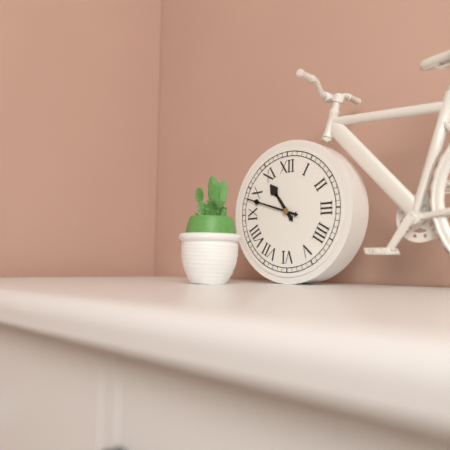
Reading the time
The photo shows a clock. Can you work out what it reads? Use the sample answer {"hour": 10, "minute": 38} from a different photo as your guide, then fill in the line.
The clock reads {"hour": 10, "minute": 48}
